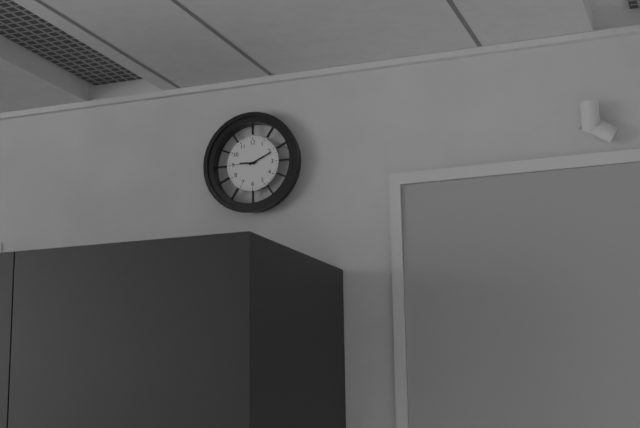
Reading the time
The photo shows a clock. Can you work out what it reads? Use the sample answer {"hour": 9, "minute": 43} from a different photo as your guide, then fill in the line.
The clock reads {"hour": 9, "minute": 11}
